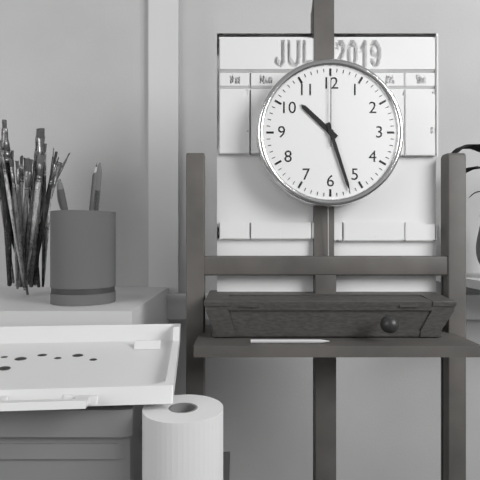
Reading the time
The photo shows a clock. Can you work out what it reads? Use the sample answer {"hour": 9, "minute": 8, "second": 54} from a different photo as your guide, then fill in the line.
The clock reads {"hour": 10, "minute": 27, "second": 0}
